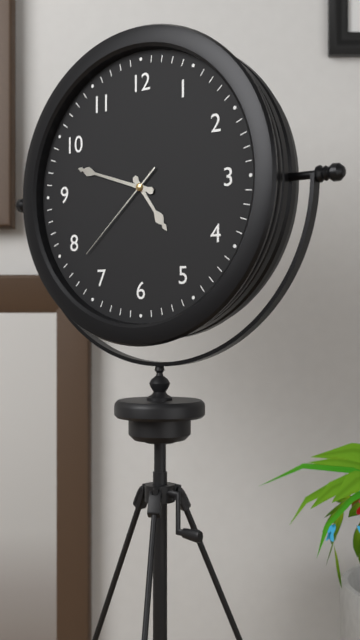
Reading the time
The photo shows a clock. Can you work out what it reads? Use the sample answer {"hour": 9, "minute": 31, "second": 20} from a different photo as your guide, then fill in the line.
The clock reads {"hour": 4, "minute": 48, "second": 38}
